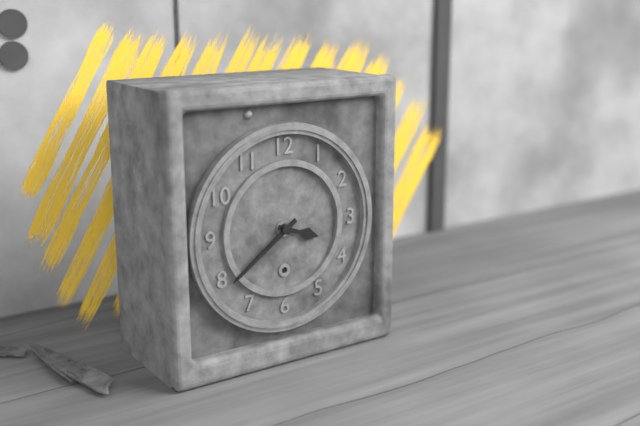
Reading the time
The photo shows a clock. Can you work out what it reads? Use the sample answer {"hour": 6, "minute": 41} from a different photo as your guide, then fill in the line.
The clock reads {"hour": 3, "minute": 39}
